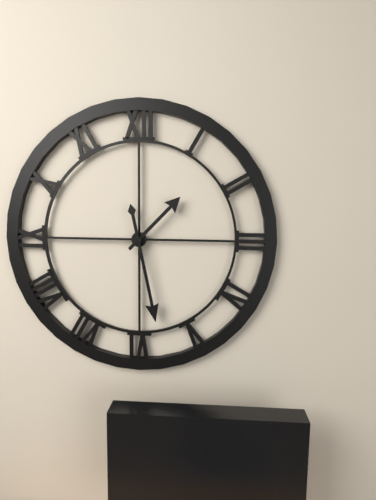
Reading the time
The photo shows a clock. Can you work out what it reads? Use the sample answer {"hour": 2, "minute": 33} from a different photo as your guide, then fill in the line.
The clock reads {"hour": 1, "minute": 28}
